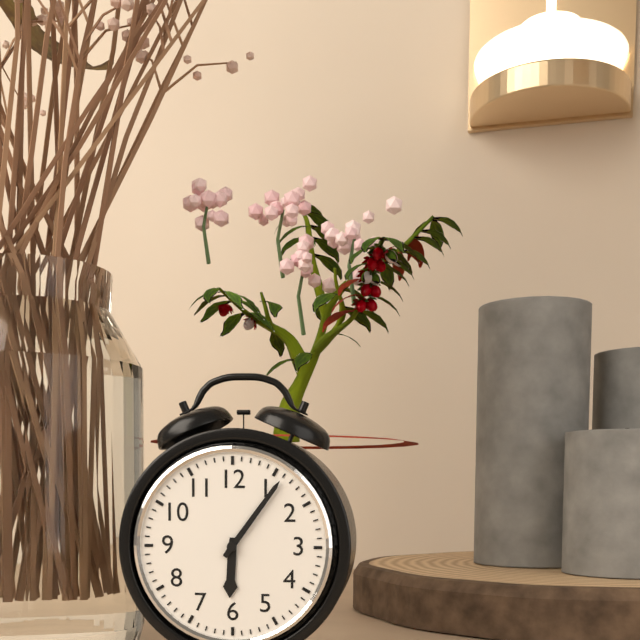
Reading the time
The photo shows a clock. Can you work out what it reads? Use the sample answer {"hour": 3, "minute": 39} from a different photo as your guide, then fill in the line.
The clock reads {"hour": 6, "minute": 6}
